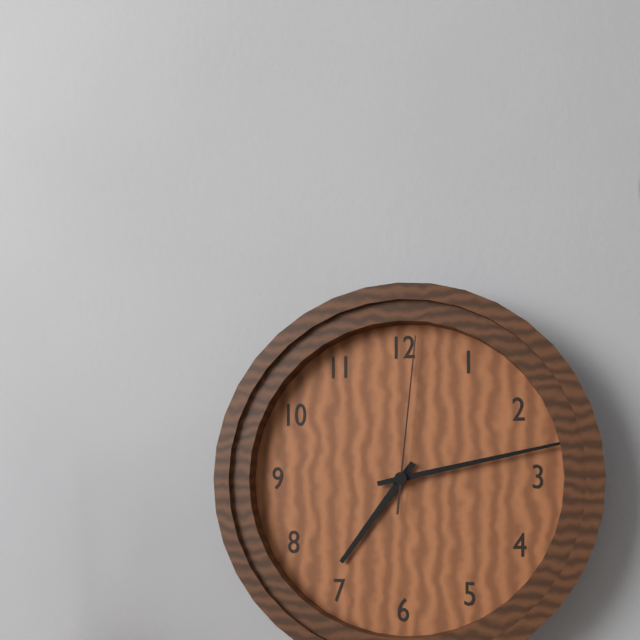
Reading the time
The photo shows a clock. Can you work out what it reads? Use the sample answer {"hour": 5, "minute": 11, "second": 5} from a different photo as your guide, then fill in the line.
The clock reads {"hour": 7, "minute": 13, "second": 1}
